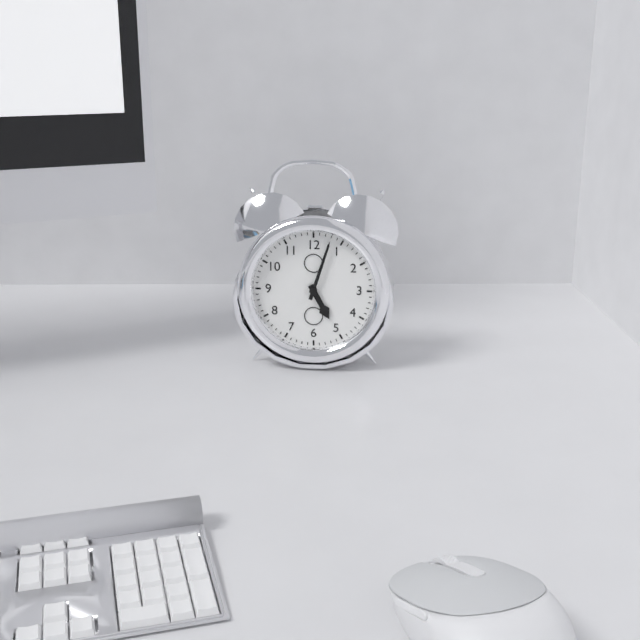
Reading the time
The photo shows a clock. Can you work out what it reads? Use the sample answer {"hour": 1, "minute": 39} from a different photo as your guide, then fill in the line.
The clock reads {"hour": 5, "minute": 3}
